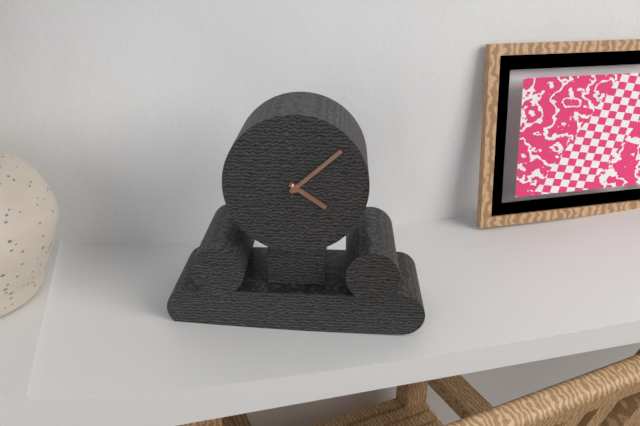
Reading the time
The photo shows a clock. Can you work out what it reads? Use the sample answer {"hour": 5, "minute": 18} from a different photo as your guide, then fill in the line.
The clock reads {"hour": 4, "minute": 8}
